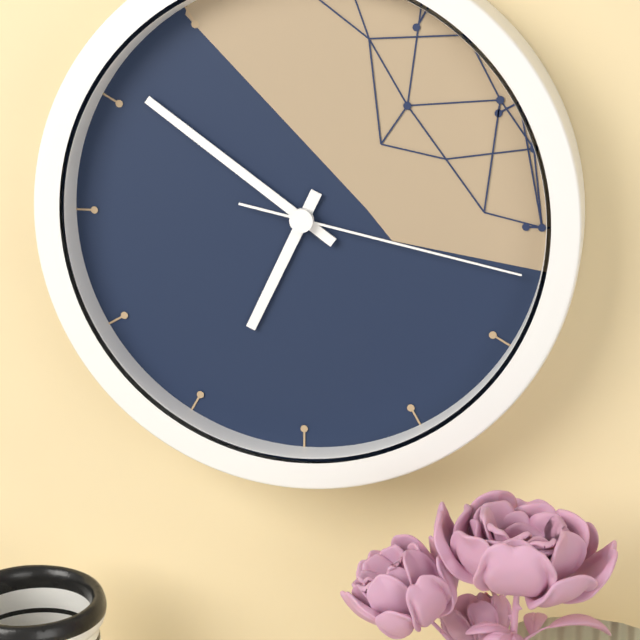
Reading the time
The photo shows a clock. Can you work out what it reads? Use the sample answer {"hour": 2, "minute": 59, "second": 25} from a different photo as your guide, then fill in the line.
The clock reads {"hour": 6, "minute": 51, "second": 17}
